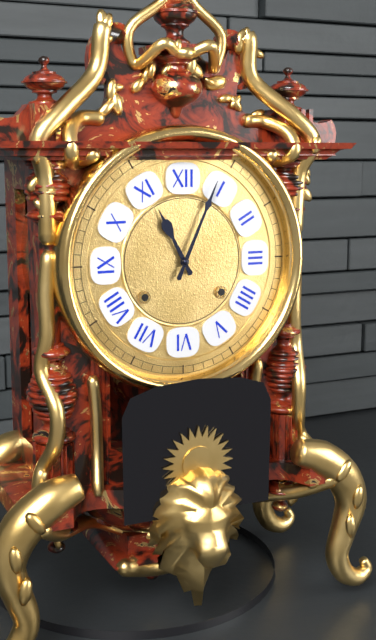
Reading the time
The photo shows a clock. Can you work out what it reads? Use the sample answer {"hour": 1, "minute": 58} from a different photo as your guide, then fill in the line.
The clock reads {"hour": 11, "minute": 4}
